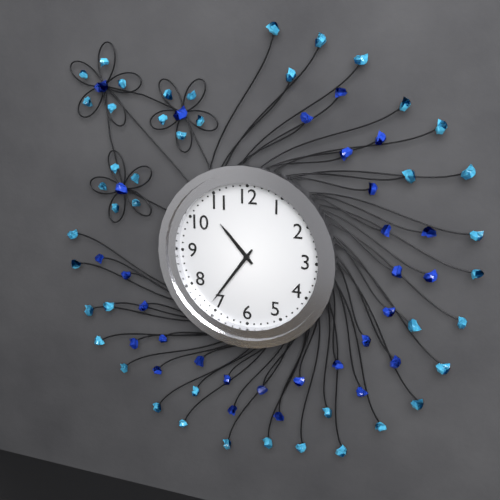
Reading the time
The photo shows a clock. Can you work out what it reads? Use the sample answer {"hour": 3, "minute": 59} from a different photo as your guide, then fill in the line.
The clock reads {"hour": 10, "minute": 36}
